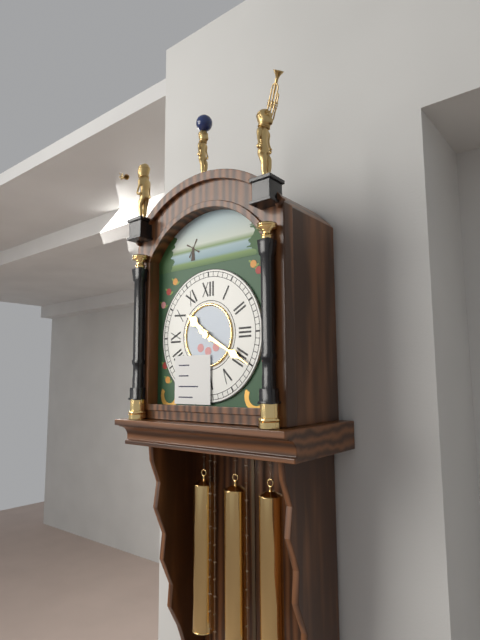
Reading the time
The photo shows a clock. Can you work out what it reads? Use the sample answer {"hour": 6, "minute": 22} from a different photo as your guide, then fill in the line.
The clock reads {"hour": 10, "minute": 20}
